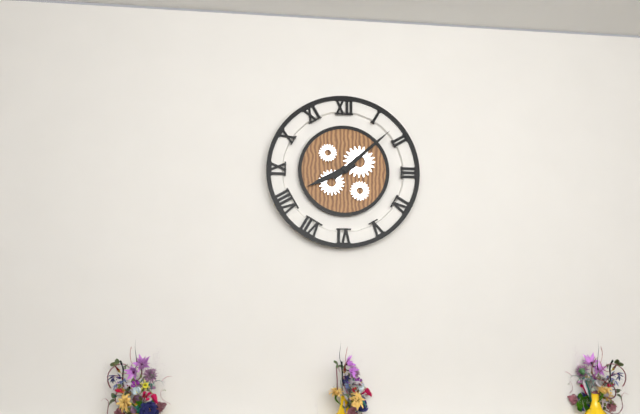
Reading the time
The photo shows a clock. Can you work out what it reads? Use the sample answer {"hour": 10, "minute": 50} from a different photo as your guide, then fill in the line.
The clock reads {"hour": 8, "minute": 8}
